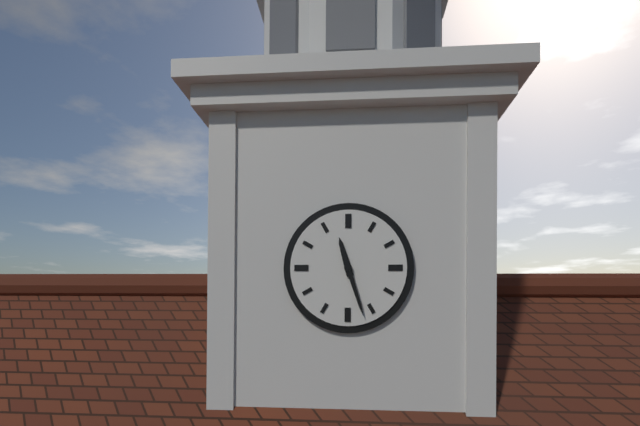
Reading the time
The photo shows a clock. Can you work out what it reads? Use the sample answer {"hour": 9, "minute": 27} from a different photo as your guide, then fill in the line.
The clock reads {"hour": 11, "minute": 27}
